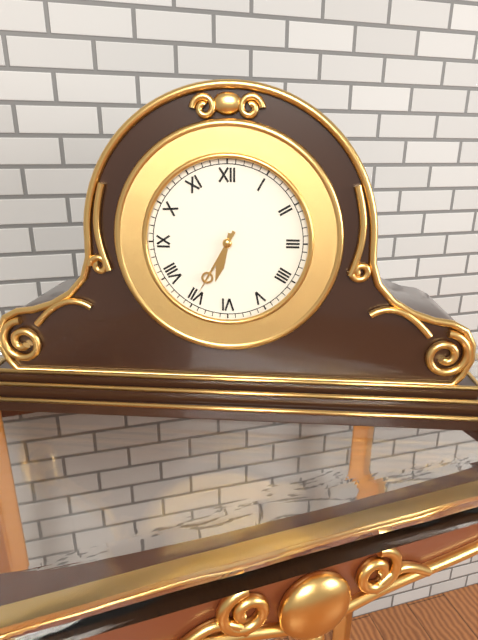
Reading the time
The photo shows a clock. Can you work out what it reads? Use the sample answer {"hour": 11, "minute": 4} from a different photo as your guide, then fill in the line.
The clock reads {"hour": 6, "minute": 35}
